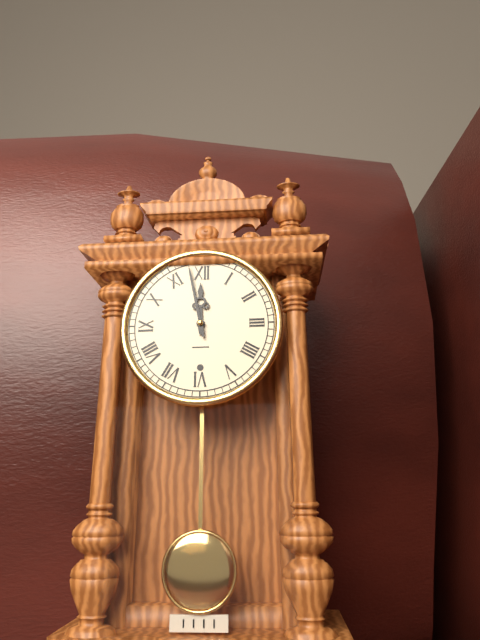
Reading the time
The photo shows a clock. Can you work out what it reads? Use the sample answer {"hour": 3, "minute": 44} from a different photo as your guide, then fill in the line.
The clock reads {"hour": 11, "minute": 58}
